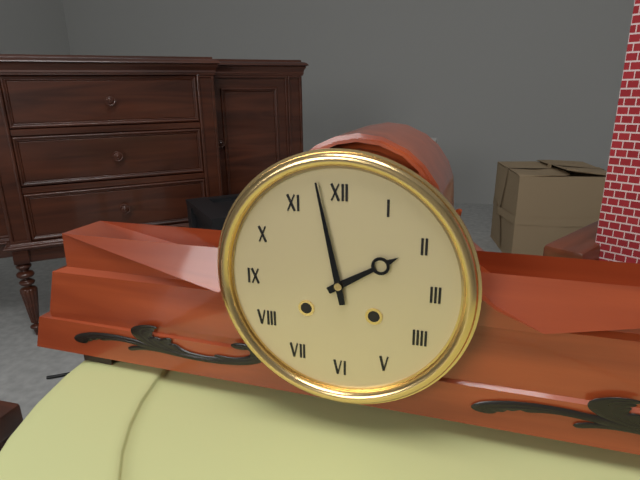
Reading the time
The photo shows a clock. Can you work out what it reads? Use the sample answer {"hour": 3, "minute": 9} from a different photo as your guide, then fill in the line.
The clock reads {"hour": 1, "minute": 58}
